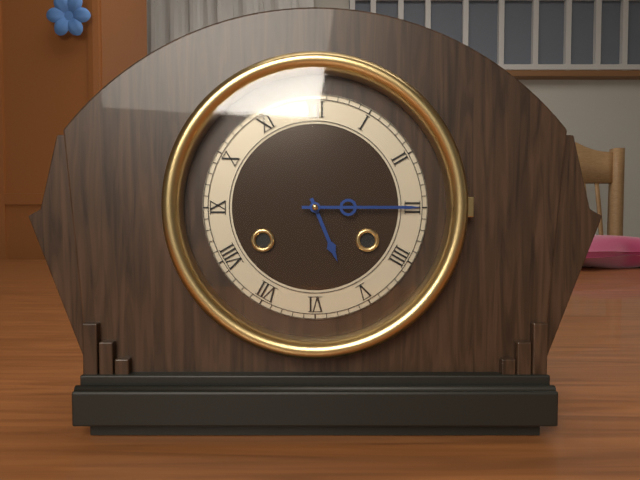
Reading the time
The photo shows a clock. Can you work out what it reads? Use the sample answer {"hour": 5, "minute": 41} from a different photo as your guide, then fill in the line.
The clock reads {"hour": 5, "minute": 15}
